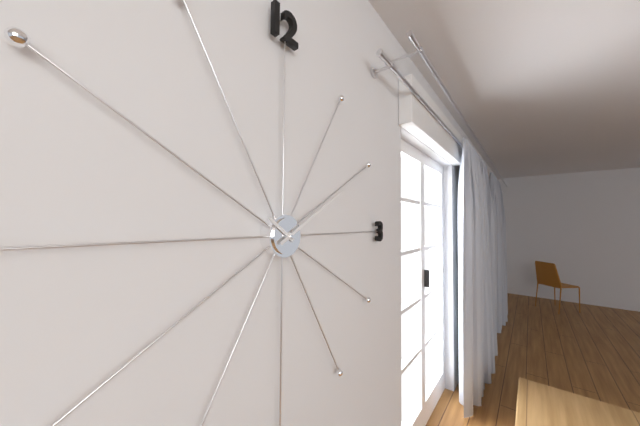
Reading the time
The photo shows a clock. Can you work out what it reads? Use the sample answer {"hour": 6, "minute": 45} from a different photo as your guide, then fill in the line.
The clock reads {"hour": 10, "minute": 10}
